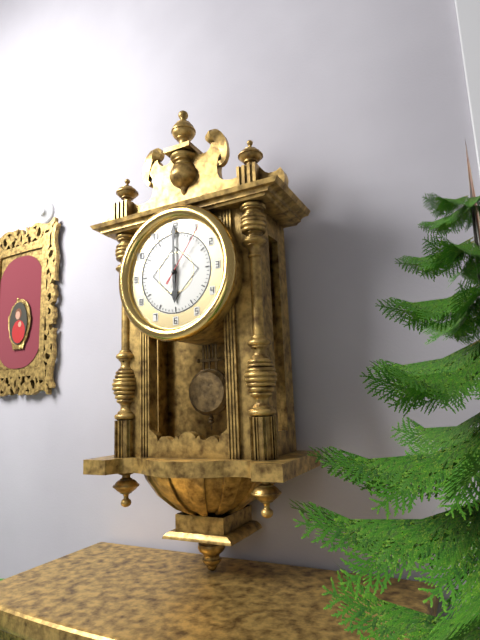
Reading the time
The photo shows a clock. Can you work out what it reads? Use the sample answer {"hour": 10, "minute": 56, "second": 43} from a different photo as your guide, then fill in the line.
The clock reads {"hour": 6, "minute": 0, "second": 6}
